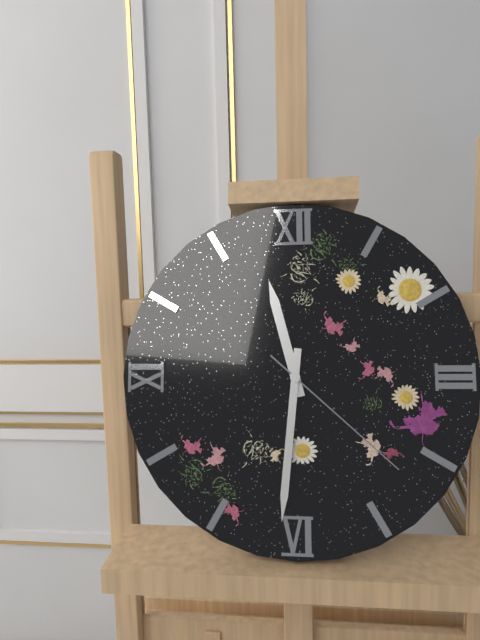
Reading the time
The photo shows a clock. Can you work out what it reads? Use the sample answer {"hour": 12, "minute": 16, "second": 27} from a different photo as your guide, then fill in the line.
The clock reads {"hour": 11, "minute": 31, "second": 22}
